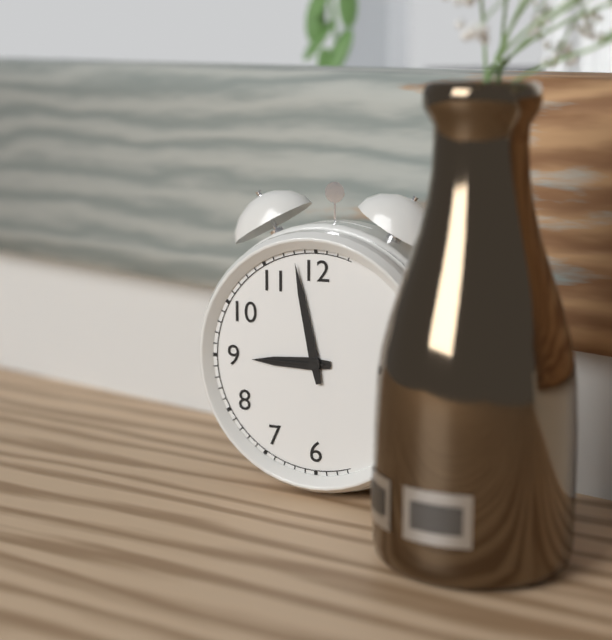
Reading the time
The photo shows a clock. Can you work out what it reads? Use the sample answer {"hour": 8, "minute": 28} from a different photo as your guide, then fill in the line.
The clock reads {"hour": 8, "minute": 58}
